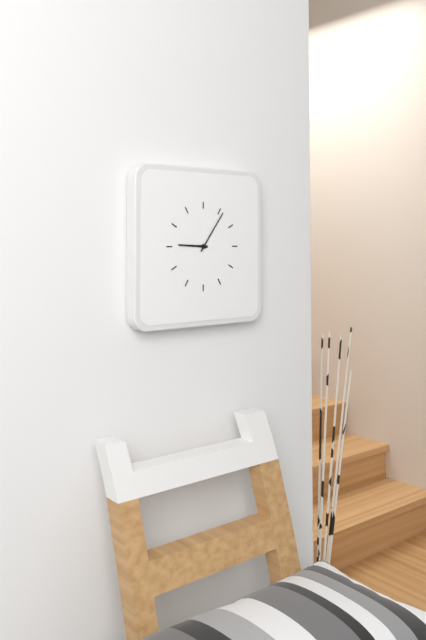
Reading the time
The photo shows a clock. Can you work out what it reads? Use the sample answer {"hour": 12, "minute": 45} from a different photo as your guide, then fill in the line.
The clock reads {"hour": 9, "minute": 6}
